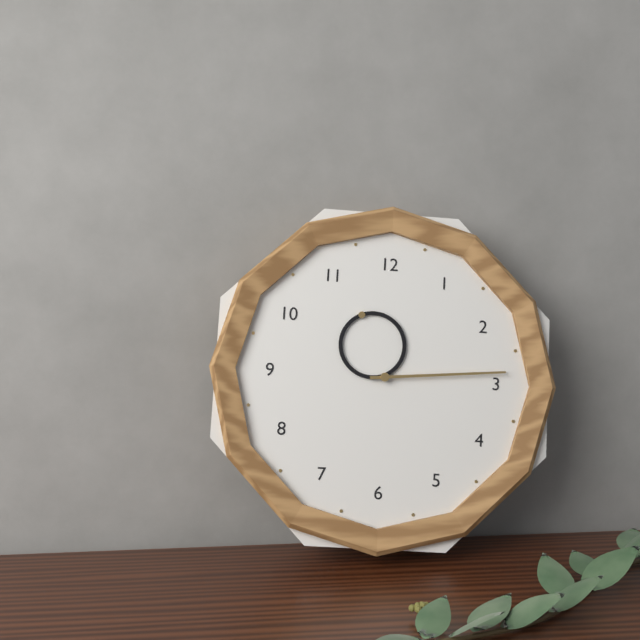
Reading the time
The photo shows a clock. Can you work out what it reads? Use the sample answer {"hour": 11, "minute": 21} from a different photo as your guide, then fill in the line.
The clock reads {"hour": 11, "minute": 14}
